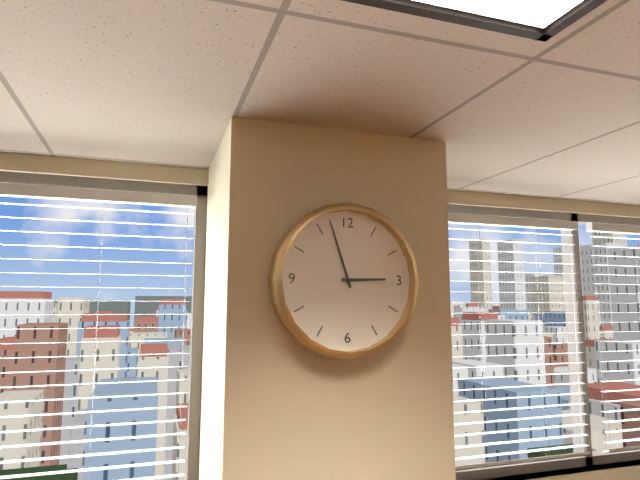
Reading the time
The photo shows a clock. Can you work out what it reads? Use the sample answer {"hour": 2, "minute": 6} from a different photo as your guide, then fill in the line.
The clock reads {"hour": 2, "minute": 57}
